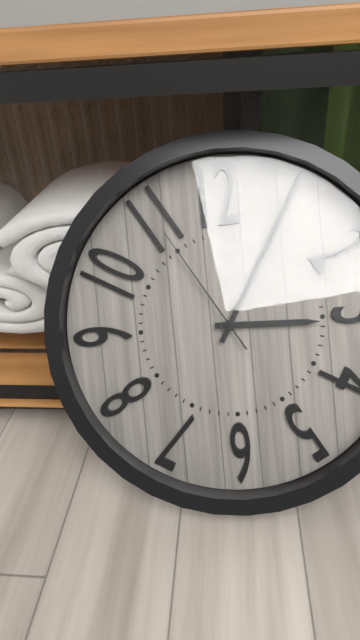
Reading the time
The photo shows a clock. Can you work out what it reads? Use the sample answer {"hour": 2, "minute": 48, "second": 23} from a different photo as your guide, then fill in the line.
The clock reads {"hour": 3, "minute": 5, "second": 55}
